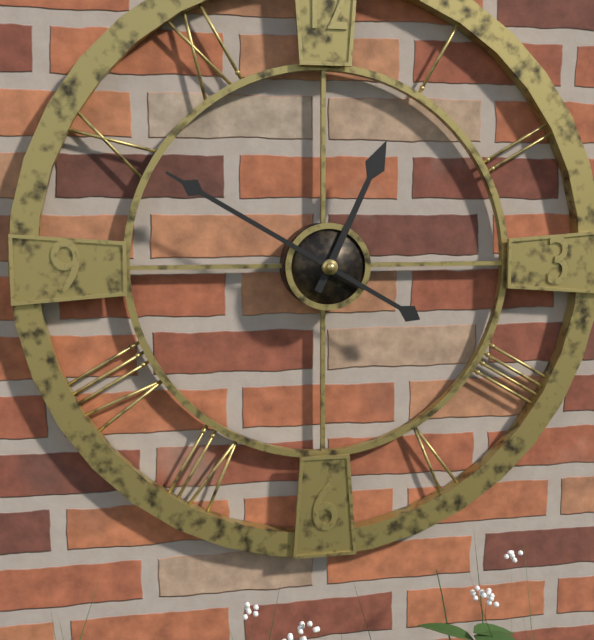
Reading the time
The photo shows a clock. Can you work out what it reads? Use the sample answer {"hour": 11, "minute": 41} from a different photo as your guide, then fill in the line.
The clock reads {"hour": 12, "minute": 50}
